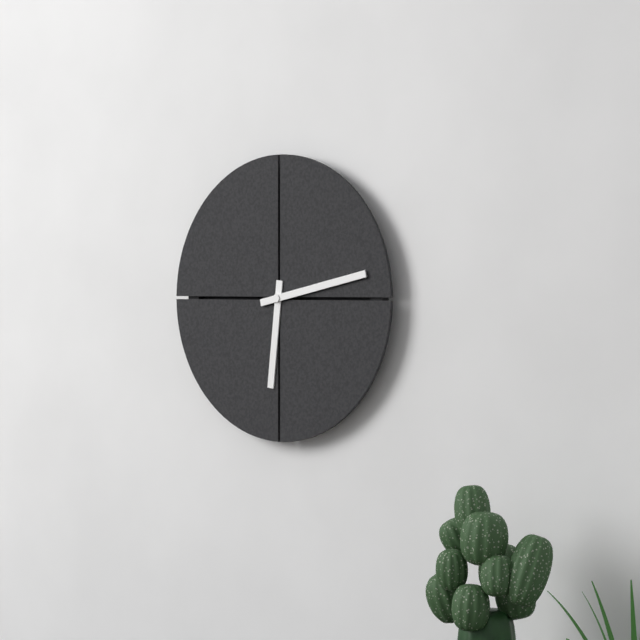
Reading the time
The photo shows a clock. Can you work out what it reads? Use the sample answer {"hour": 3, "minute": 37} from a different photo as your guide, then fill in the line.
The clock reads {"hour": 6, "minute": 13}
